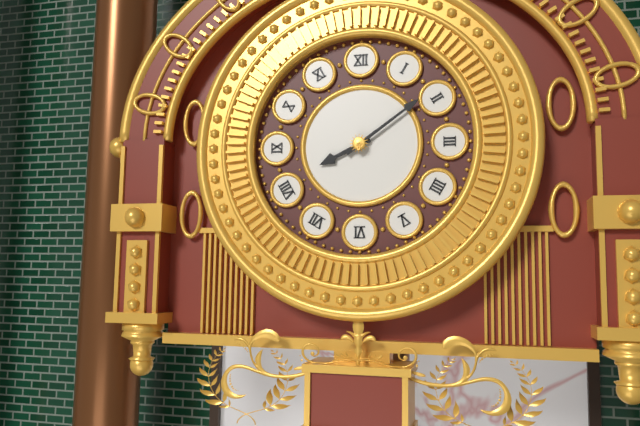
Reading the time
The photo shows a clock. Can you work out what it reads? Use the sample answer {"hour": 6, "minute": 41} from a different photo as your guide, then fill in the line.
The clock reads {"hour": 8, "minute": 9}
